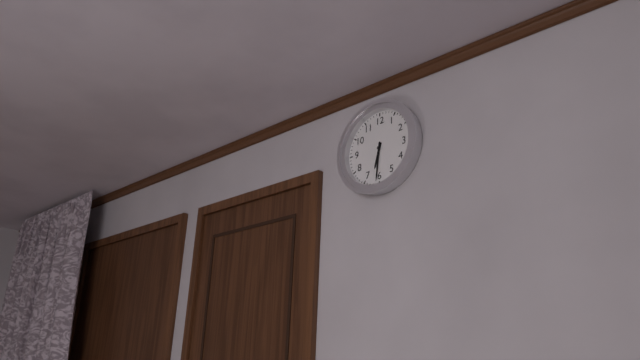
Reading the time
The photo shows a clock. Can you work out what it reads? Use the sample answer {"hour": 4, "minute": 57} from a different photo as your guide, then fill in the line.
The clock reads {"hour": 6, "minute": 31}
